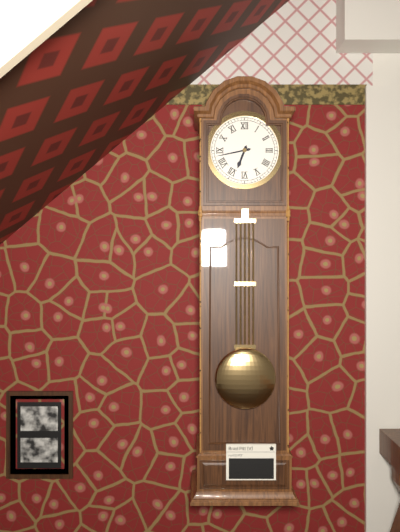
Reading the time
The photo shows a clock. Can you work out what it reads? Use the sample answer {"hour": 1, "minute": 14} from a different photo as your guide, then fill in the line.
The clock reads {"hour": 6, "minute": 43}
